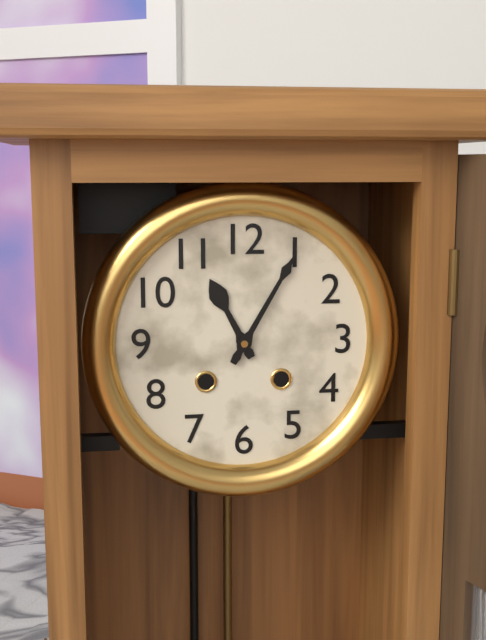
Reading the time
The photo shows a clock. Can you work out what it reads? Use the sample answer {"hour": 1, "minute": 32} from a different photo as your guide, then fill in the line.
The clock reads {"hour": 11, "minute": 5}
